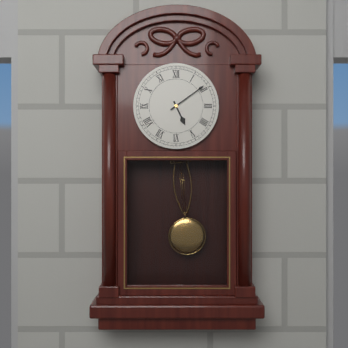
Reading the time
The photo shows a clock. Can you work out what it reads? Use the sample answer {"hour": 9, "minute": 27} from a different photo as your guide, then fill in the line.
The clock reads {"hour": 5, "minute": 9}
